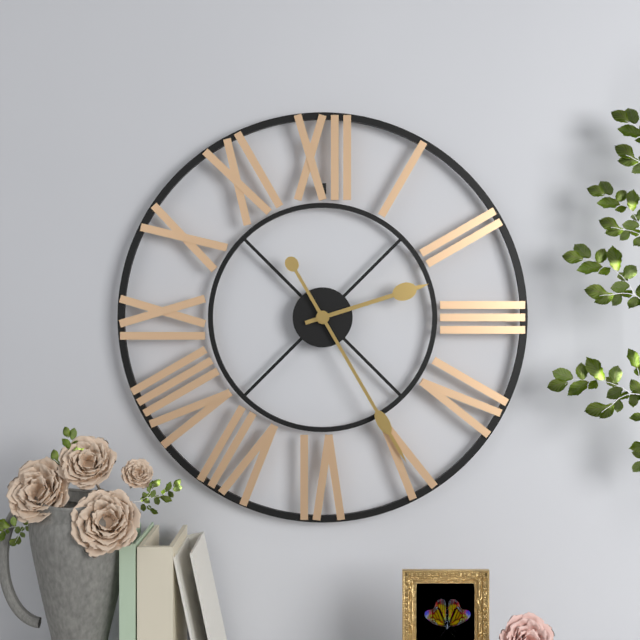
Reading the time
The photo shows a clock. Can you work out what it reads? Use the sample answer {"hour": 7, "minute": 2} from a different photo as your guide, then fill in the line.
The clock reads {"hour": 2, "minute": 25}
